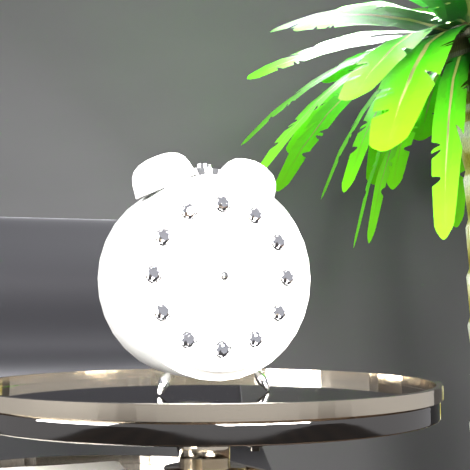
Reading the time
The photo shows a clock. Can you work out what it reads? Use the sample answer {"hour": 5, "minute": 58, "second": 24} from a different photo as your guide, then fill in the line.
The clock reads {"hour": 3, "minute": 6, "second": 53}
